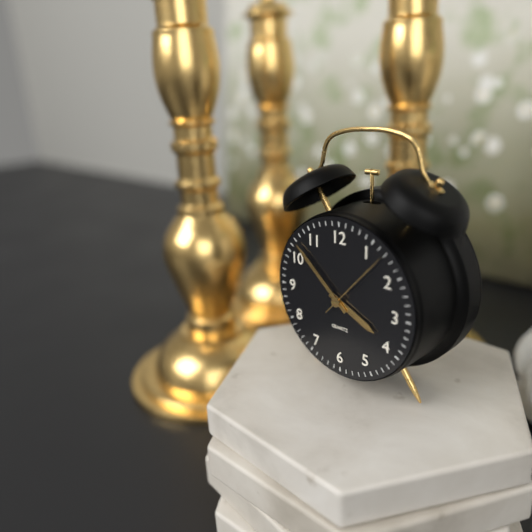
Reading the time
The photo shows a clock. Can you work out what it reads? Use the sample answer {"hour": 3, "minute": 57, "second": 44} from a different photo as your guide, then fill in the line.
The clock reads {"hour": 3, "minute": 52, "second": 7}
